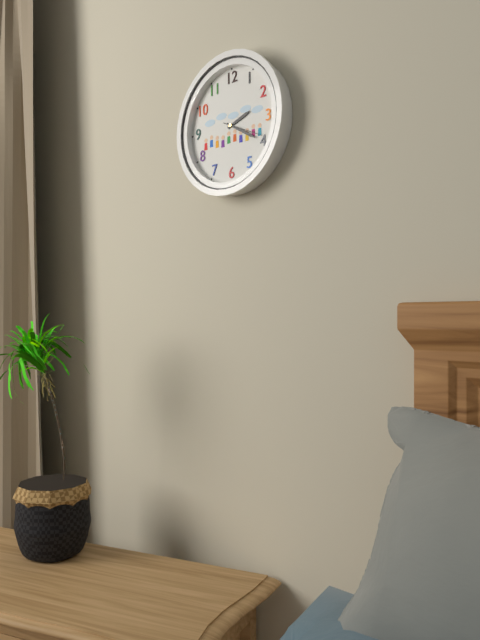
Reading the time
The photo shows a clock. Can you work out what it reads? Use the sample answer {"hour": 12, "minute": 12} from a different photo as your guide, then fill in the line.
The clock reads {"hour": 2, "minute": 20}
